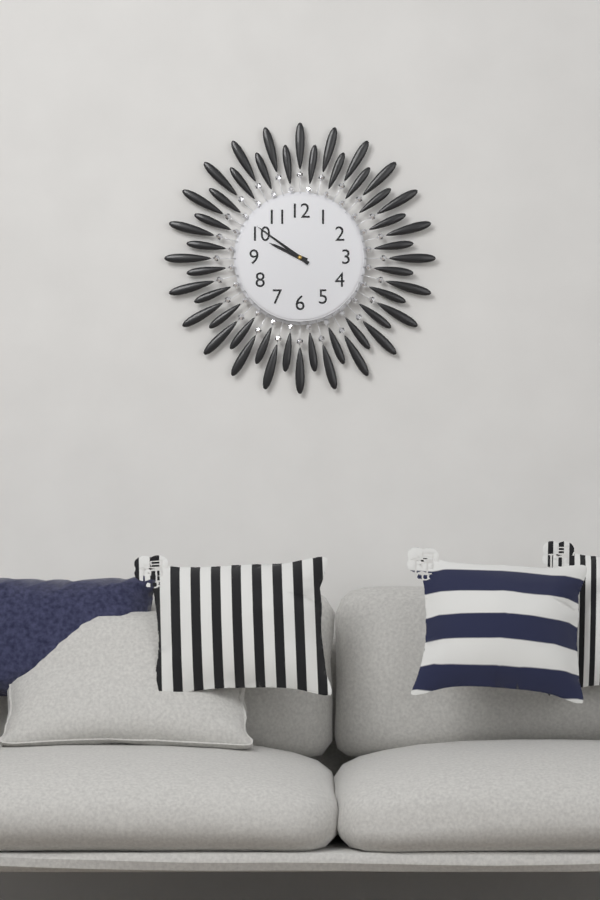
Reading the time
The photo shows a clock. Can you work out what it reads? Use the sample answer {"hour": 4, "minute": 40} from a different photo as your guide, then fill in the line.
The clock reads {"hour": 9, "minute": 51}
